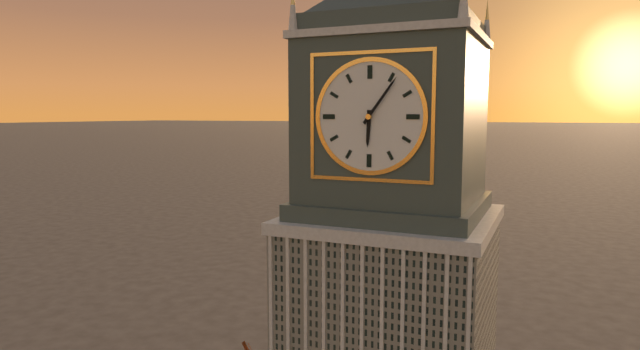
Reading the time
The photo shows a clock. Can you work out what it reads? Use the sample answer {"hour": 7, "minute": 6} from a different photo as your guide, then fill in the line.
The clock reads {"hour": 6, "minute": 6}
